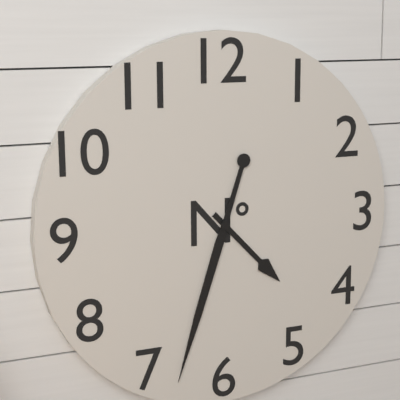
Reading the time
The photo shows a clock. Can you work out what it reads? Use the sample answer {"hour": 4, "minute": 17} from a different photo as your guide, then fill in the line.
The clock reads {"hour": 4, "minute": 33}
